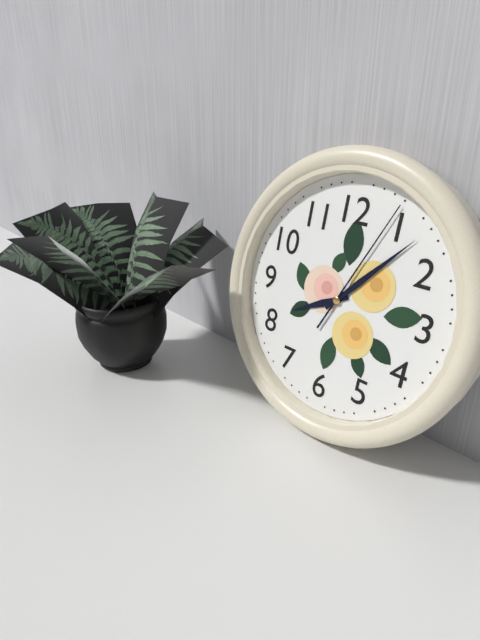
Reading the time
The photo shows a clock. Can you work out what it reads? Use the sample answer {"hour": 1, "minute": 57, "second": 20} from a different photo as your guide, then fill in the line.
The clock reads {"hour": 8, "minute": 7, "second": 4}
